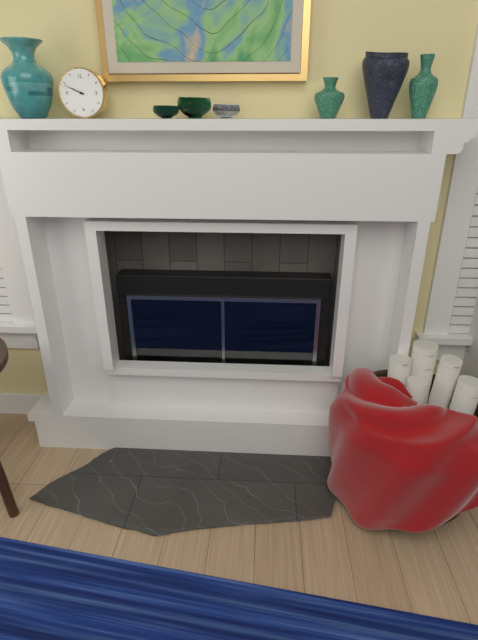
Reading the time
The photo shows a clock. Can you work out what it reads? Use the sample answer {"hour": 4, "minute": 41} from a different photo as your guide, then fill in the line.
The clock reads {"hour": 9, "minute": 49}
